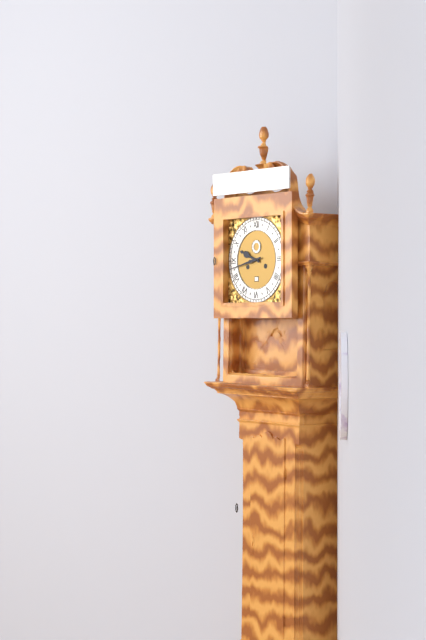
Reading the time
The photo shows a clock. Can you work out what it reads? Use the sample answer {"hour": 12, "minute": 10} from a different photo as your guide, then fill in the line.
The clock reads {"hour": 9, "minute": 43}
